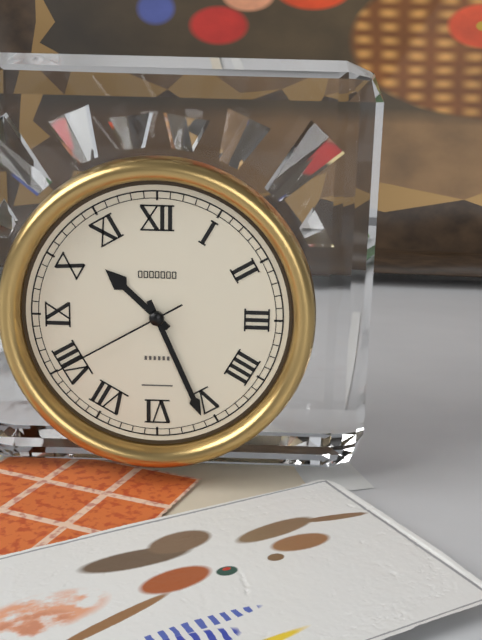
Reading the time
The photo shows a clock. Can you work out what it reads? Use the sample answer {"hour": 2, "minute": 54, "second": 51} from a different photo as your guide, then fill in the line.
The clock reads {"hour": 10, "minute": 26, "second": 40}
